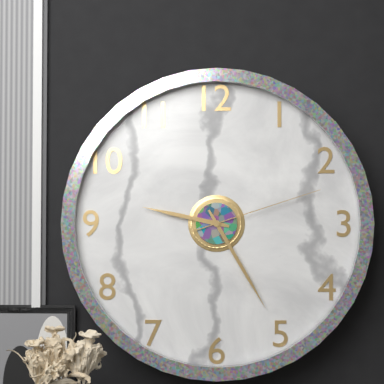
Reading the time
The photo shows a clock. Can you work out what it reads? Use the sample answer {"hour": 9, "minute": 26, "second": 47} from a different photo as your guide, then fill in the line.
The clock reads {"hour": 9, "minute": 25, "second": 12}
